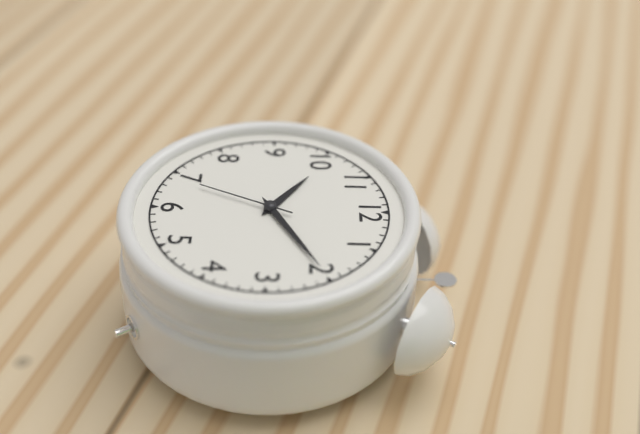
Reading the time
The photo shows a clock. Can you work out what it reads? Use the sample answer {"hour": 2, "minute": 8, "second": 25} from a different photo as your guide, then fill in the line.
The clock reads {"hour": 10, "minute": 10, "second": 34}
